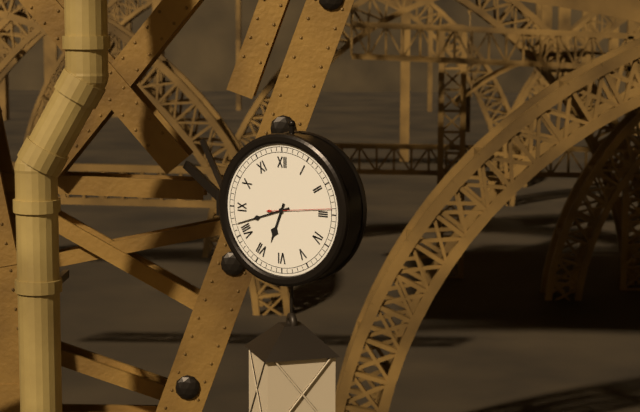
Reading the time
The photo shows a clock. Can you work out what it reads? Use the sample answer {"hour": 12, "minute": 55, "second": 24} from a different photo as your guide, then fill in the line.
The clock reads {"hour": 6, "minute": 42, "second": 14}
